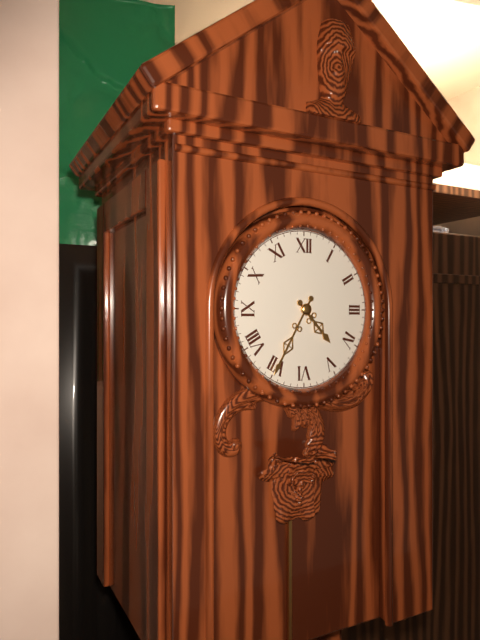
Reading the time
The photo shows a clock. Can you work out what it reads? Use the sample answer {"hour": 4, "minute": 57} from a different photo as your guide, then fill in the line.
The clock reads {"hour": 4, "minute": 35}
